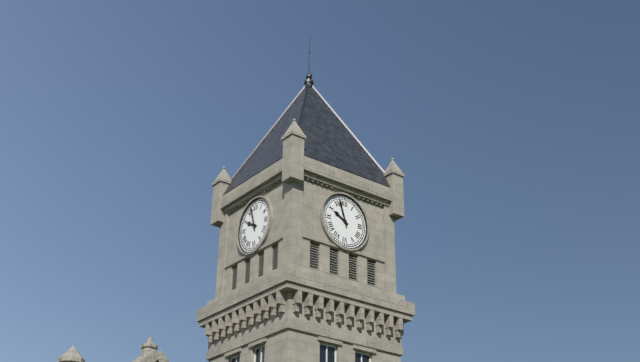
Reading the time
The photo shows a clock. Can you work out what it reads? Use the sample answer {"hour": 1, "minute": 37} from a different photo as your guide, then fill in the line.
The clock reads {"hour": 9, "minute": 57}
